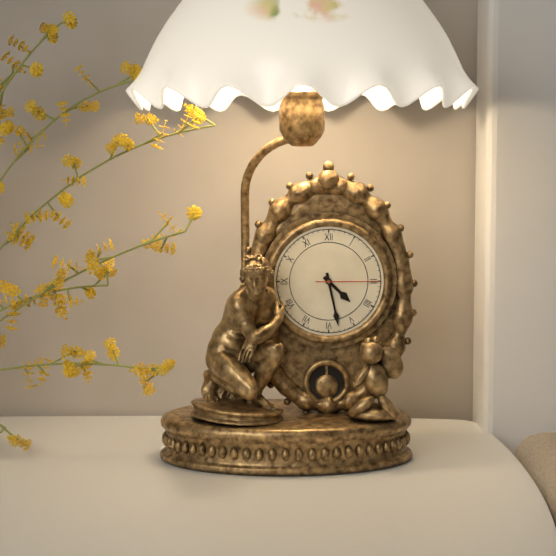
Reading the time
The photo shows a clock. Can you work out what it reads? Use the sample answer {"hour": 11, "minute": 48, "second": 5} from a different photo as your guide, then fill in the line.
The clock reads {"hour": 4, "minute": 28, "second": 15}
